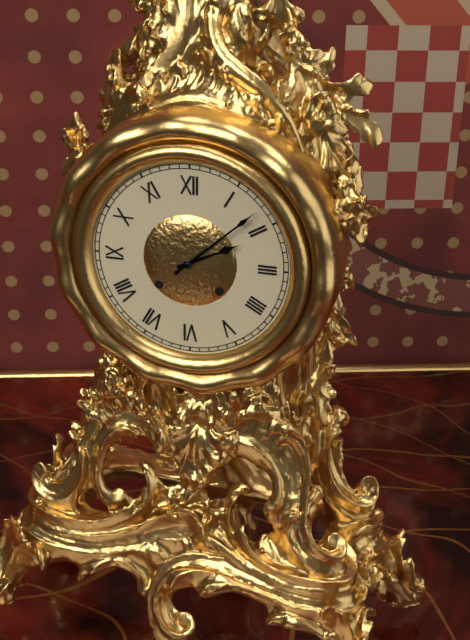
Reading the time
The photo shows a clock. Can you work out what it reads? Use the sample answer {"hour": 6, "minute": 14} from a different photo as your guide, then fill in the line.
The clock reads {"hour": 2, "minute": 8}
